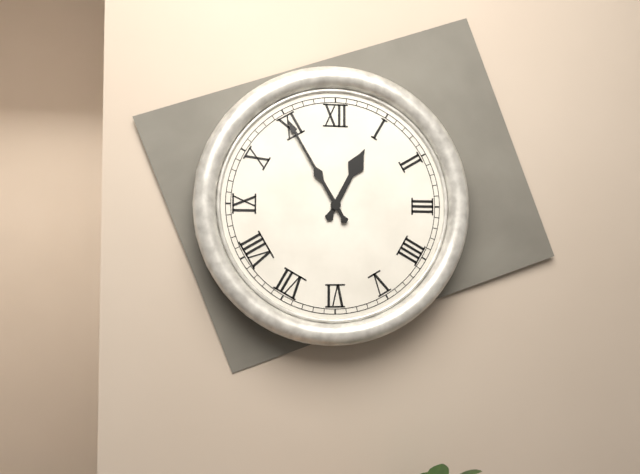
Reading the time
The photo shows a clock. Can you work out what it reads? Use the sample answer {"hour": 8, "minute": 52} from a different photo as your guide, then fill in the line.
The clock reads {"hour": 12, "minute": 55}
